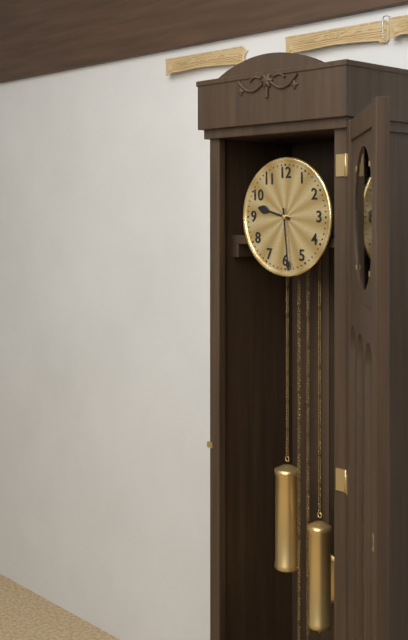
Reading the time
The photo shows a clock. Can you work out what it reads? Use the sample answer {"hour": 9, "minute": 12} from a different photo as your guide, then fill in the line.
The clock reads {"hour": 9, "minute": 29}
